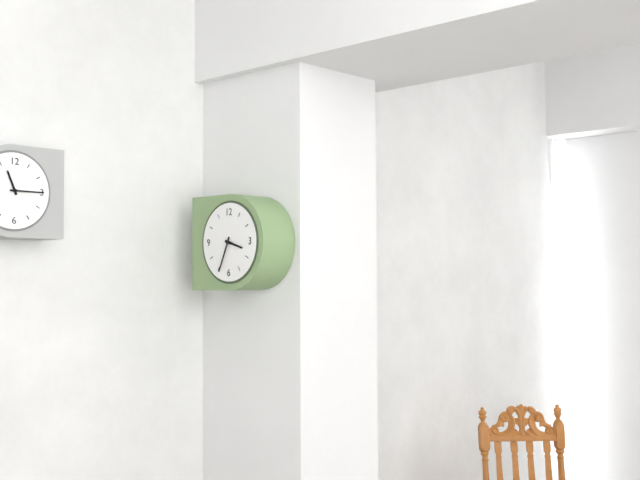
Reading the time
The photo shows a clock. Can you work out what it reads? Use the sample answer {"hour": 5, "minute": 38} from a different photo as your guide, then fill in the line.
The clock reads {"hour": 3, "minute": 34}
